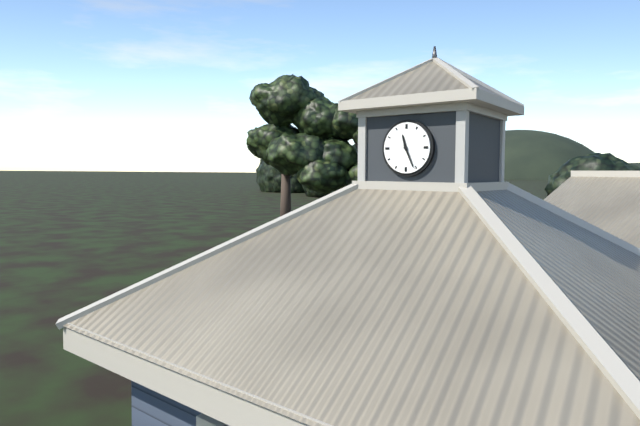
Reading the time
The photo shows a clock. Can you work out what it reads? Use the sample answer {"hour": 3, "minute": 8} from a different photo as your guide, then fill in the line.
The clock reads {"hour": 11, "minute": 26}
